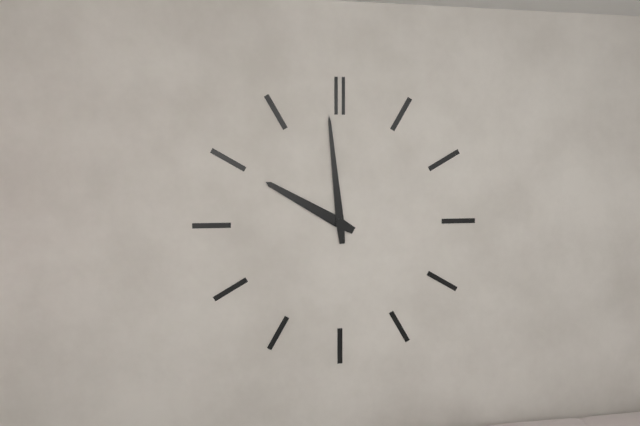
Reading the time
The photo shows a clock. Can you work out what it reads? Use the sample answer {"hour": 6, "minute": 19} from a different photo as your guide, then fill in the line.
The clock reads {"hour": 9, "minute": 59}
